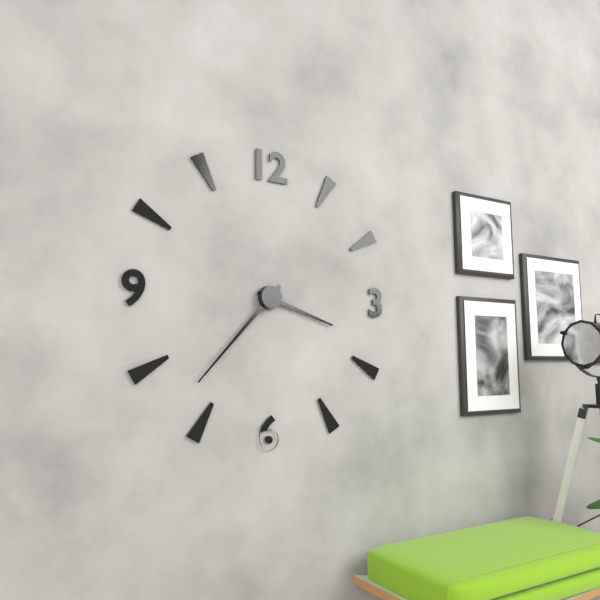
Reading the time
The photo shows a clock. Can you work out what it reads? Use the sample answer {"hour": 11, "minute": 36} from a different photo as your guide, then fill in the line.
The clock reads {"hour": 3, "minute": 37}
